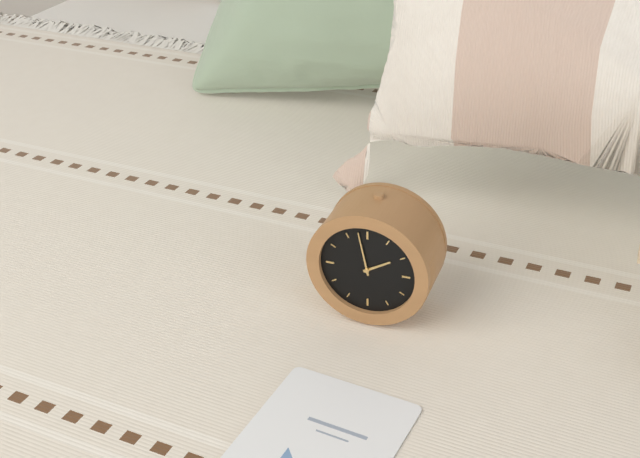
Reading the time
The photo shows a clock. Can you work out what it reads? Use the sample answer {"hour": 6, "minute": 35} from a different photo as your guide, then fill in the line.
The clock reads {"hour": 1, "minute": 58}
